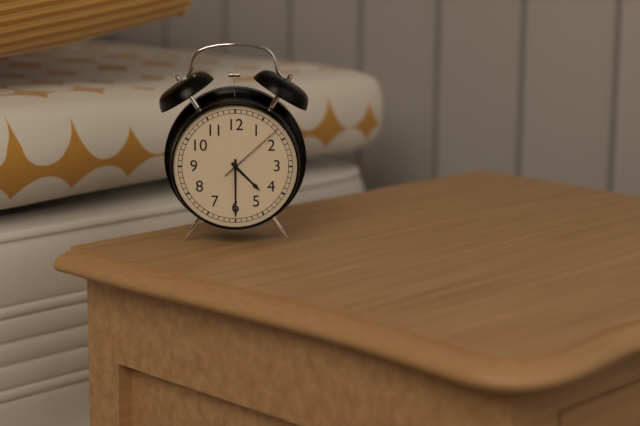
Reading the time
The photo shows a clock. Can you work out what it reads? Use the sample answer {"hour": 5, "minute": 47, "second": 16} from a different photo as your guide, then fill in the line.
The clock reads {"hour": 4, "minute": 30, "second": 8}
